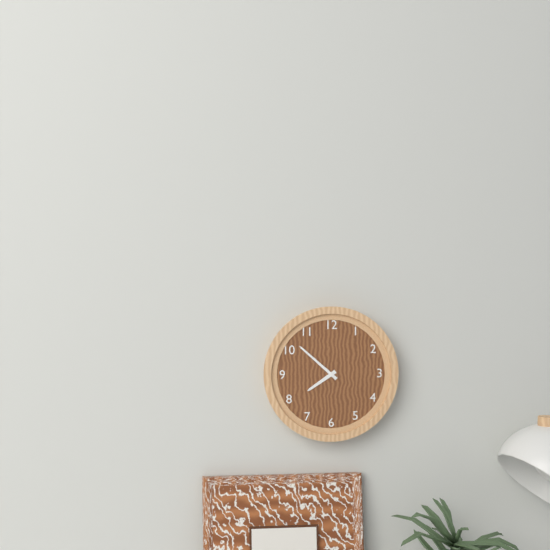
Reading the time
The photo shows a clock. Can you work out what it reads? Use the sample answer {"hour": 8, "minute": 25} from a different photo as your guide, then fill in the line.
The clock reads {"hour": 7, "minute": 52}
